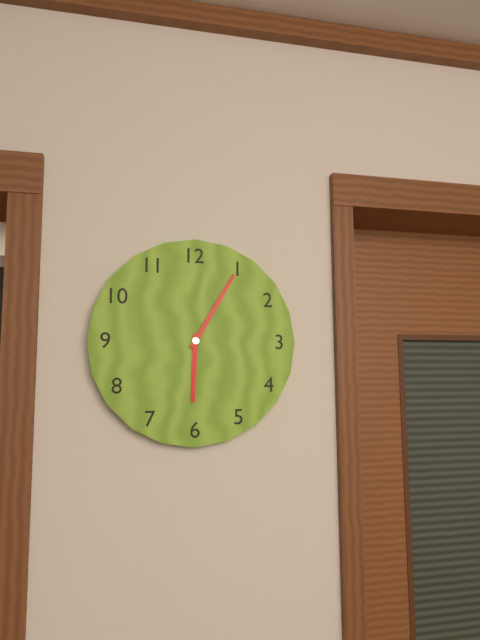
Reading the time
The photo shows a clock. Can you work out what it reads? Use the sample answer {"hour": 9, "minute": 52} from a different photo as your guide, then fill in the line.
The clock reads {"hour": 6, "minute": 5}
